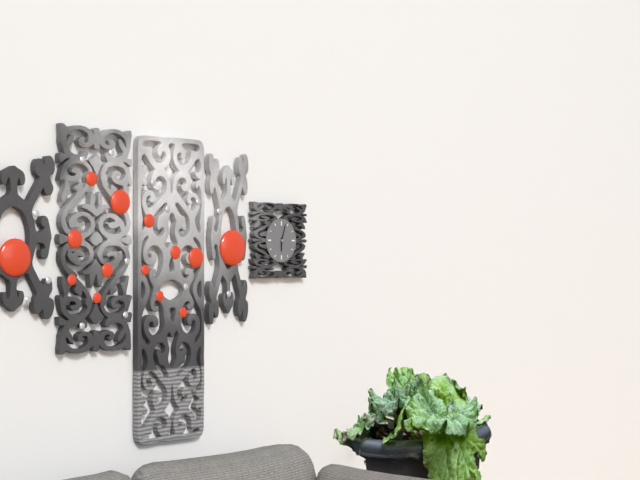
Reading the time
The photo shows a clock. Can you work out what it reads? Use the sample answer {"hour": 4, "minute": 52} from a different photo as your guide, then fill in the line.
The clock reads {"hour": 6, "minute": 3}
